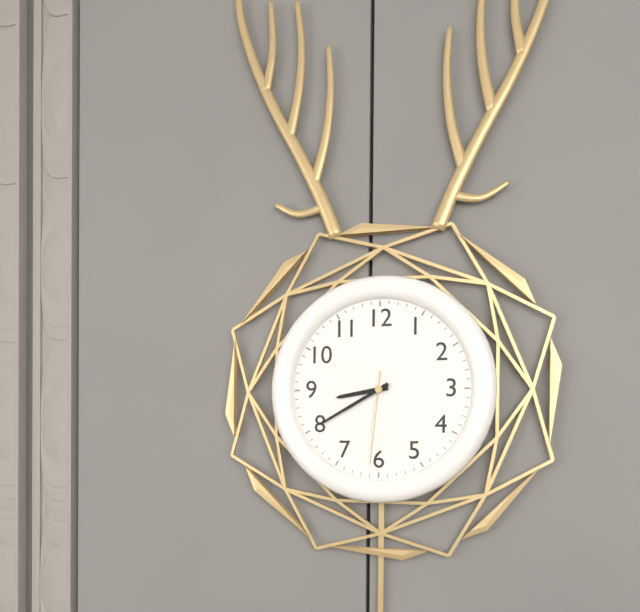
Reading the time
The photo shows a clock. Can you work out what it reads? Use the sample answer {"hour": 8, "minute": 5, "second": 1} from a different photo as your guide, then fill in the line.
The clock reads {"hour": 8, "minute": 40, "second": 31}
